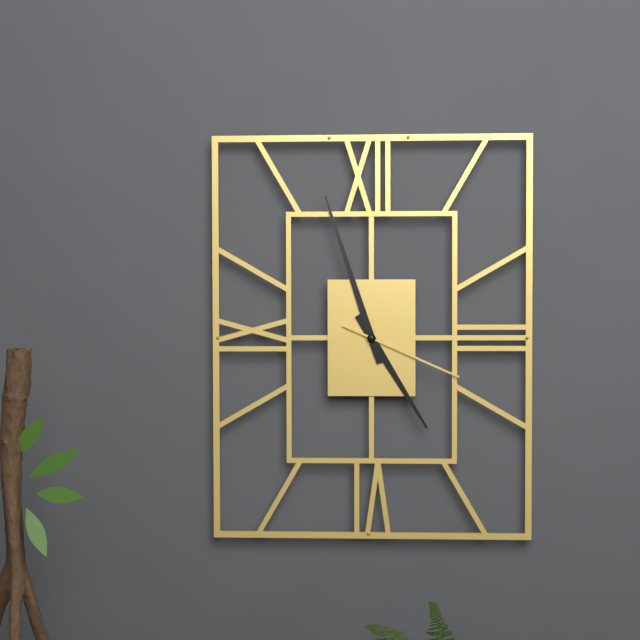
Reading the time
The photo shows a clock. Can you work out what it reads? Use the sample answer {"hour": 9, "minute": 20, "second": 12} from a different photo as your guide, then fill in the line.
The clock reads {"hour": 4, "minute": 57, "second": 19}
